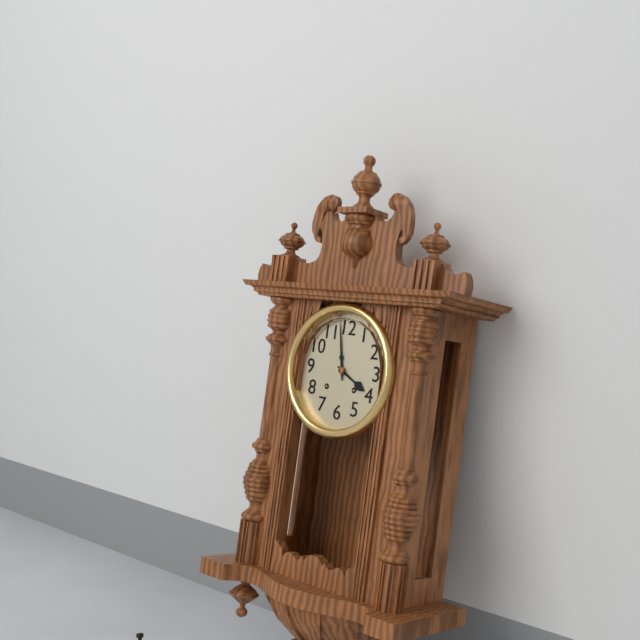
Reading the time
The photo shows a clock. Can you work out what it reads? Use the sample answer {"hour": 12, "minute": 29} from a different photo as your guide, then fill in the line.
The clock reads {"hour": 3, "minute": 58}
